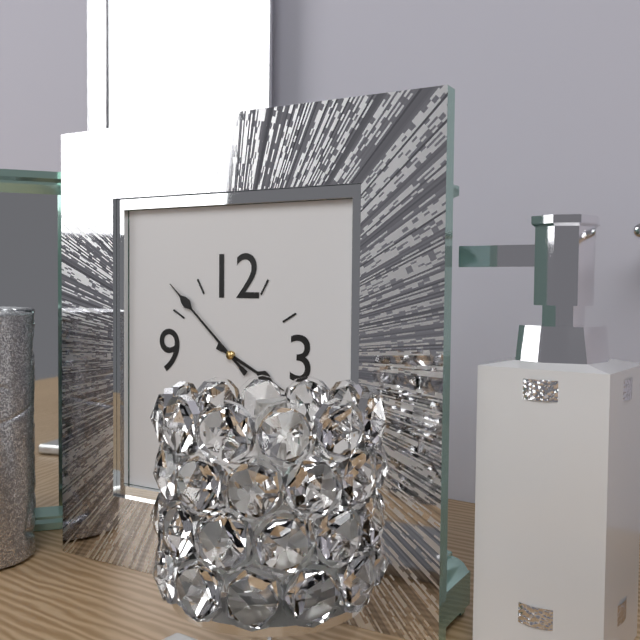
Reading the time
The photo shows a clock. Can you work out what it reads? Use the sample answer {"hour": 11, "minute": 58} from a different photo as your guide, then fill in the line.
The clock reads {"hour": 3, "minute": 52}
